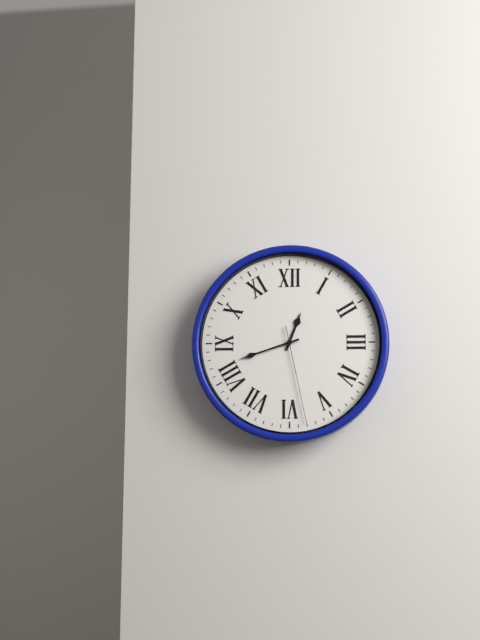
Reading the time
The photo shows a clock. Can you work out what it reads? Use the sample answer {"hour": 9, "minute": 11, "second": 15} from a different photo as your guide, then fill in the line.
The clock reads {"hour": 12, "minute": 42, "second": 28}
